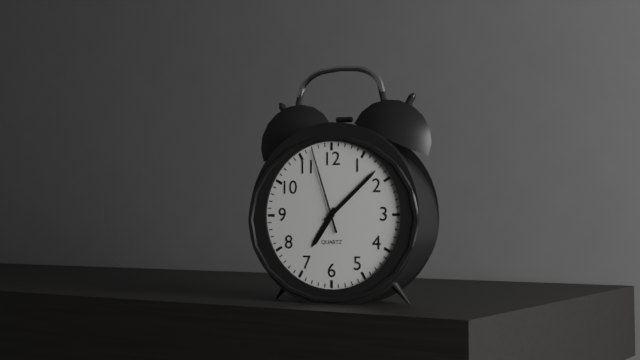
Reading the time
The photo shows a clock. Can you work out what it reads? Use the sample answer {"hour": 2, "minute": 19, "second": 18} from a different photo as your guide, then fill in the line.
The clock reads {"hour": 7, "minute": 8, "second": 57}
